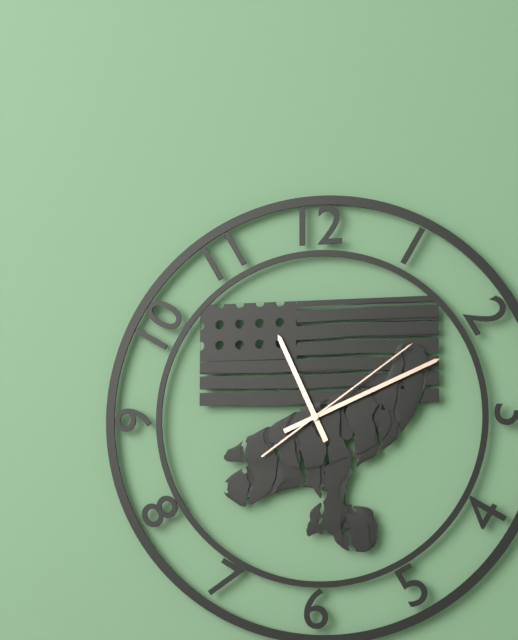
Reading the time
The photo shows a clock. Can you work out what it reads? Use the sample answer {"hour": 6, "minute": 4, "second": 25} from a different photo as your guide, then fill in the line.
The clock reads {"hour": 11, "minute": 11, "second": 9}
